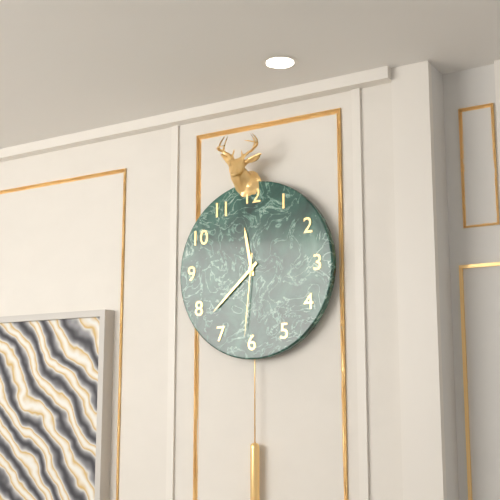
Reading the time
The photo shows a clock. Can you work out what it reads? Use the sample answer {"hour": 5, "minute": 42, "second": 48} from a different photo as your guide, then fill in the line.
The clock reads {"hour": 11, "minute": 38, "second": 31}
